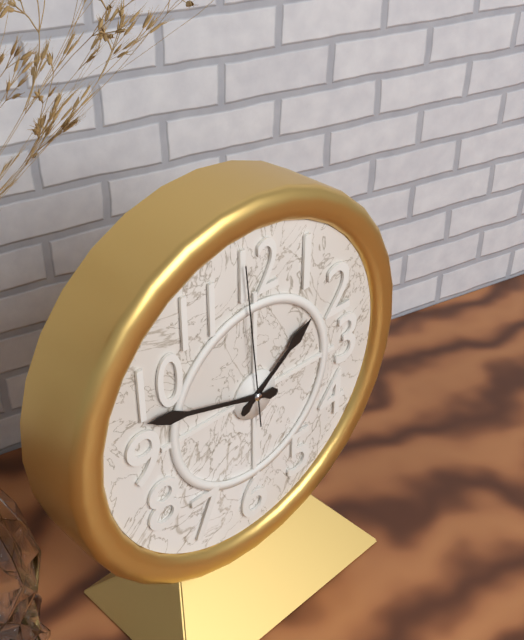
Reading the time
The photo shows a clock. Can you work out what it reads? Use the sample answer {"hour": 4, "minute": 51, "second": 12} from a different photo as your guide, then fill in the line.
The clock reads {"hour": 1, "minute": 48, "second": 59}
